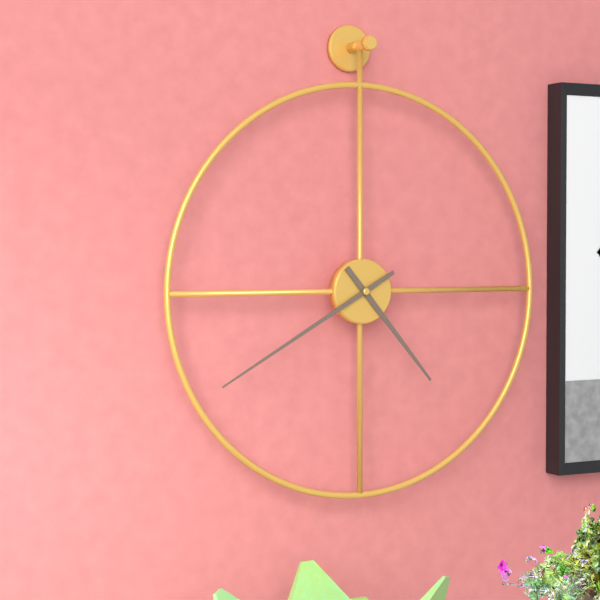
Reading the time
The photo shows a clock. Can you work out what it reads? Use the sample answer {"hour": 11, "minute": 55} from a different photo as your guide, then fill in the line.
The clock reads {"hour": 4, "minute": 40}
